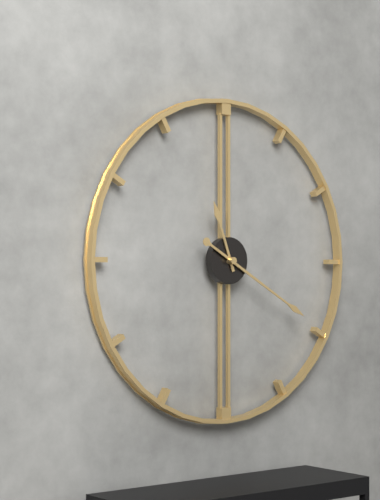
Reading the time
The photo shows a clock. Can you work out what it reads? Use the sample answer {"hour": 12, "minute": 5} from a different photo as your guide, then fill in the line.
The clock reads {"hour": 11, "minute": 20}
